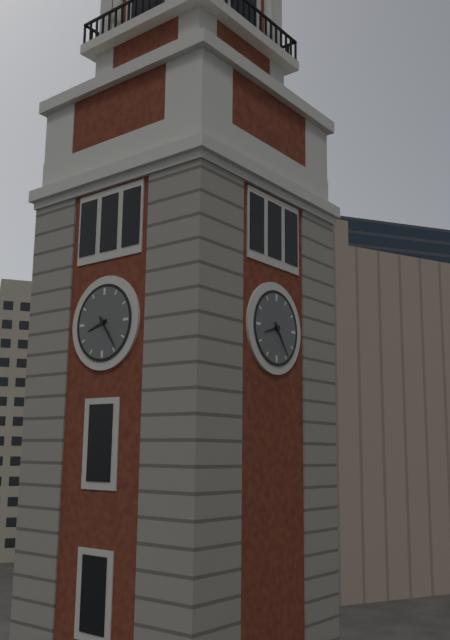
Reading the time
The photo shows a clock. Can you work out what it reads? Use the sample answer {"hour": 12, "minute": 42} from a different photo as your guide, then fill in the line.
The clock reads {"hour": 8, "minute": 24}
